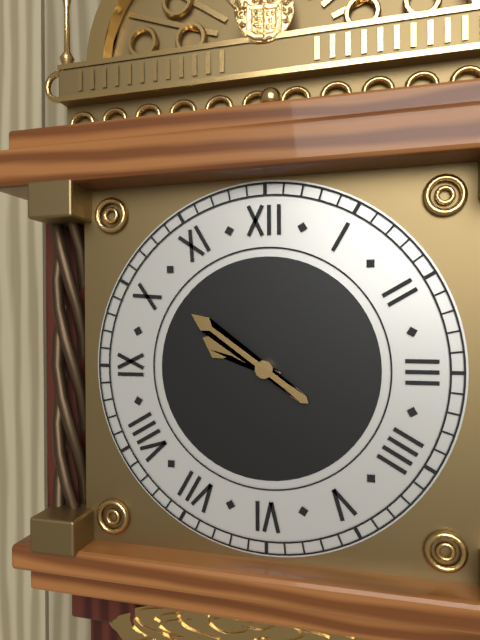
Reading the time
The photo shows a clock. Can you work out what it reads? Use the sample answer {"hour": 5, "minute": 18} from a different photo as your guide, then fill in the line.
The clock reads {"hour": 9, "minute": 51}
